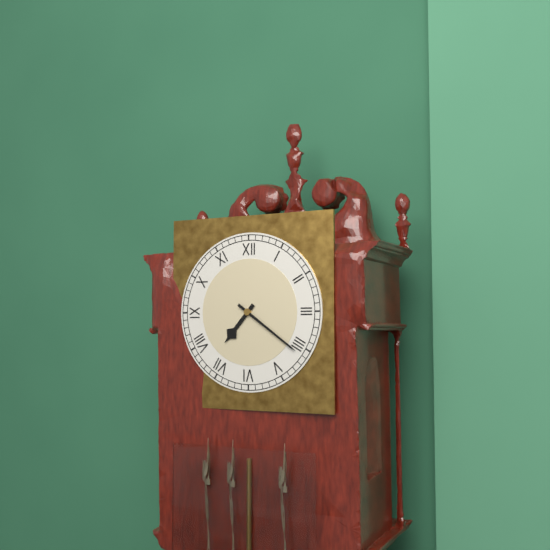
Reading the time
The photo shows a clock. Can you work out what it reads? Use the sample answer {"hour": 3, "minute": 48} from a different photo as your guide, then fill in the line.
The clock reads {"hour": 7, "minute": 21}
